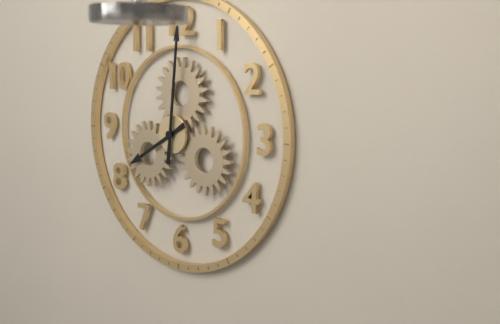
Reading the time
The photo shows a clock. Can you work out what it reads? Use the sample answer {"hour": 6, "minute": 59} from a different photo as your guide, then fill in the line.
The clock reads {"hour": 8, "minute": 1}
